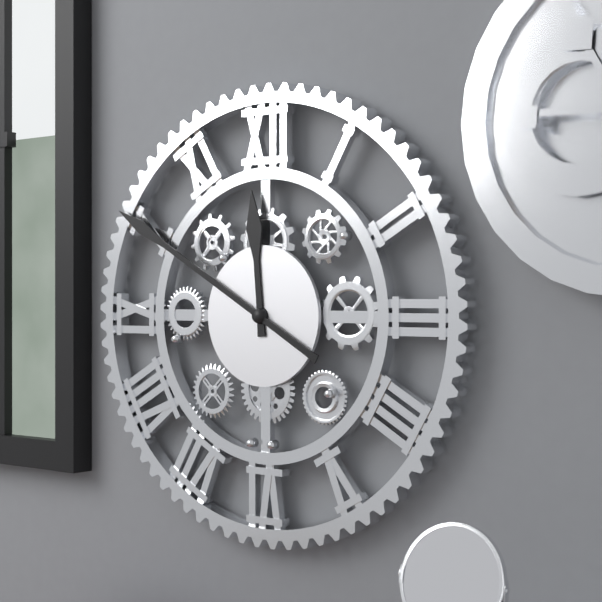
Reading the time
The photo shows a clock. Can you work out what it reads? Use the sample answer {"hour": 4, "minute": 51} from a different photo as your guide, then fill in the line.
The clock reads {"hour": 11, "minute": 50}
